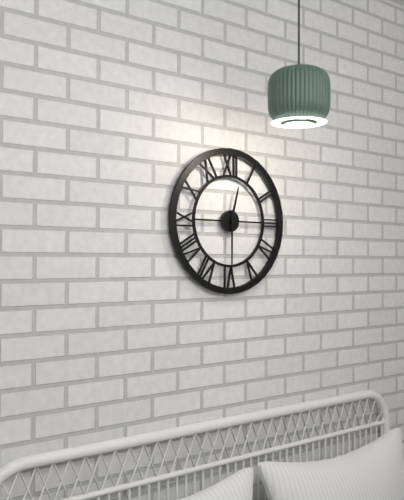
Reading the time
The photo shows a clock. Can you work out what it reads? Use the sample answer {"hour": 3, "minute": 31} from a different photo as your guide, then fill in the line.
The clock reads {"hour": 12, "minute": 30}
